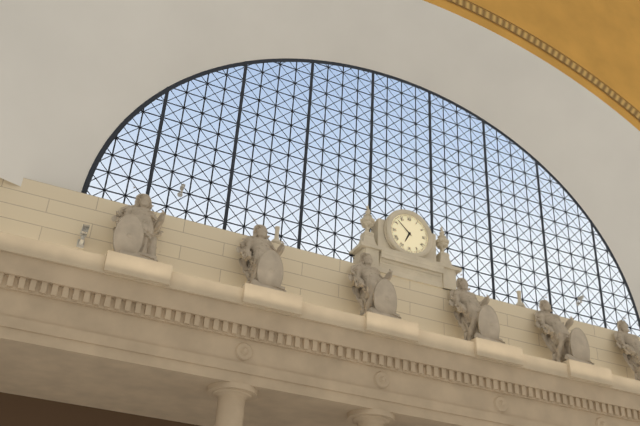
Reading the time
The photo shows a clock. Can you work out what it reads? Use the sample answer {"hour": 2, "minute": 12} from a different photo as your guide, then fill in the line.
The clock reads {"hour": 6, "minute": 52}
